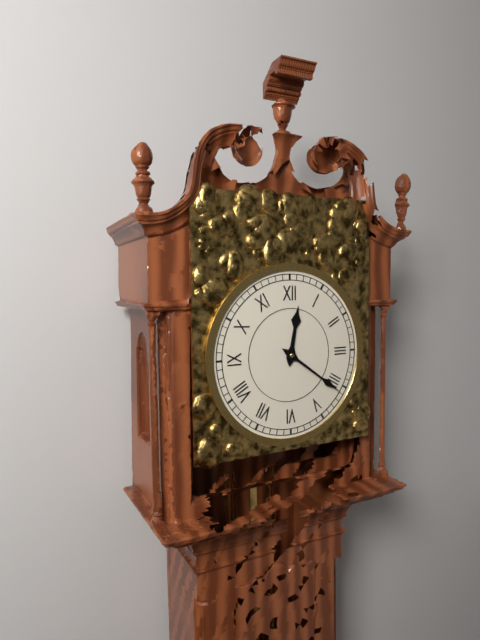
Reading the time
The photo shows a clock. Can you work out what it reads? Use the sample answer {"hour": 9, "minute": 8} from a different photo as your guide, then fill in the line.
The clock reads {"hour": 12, "minute": 21}
